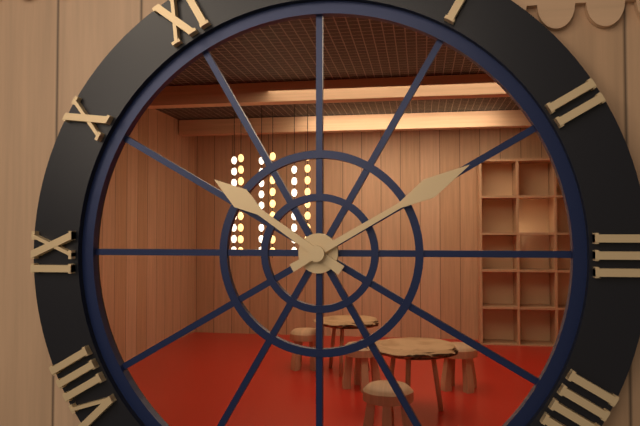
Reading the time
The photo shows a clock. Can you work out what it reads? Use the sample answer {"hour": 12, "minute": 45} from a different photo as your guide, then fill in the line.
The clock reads {"hour": 10, "minute": 10}
